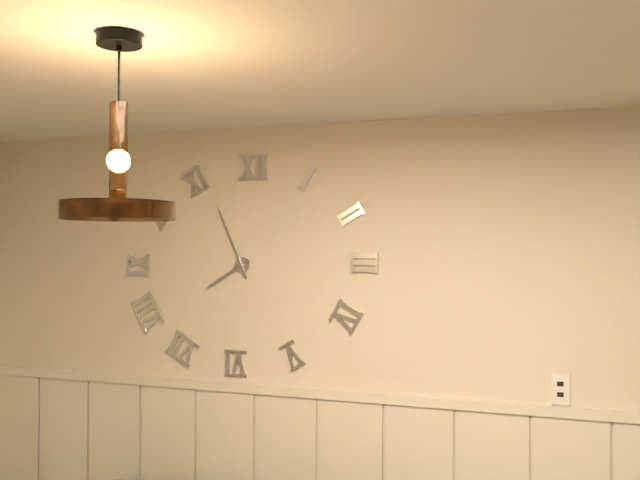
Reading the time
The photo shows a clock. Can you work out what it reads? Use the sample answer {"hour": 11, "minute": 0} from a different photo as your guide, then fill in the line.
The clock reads {"hour": 7, "minute": 56}
